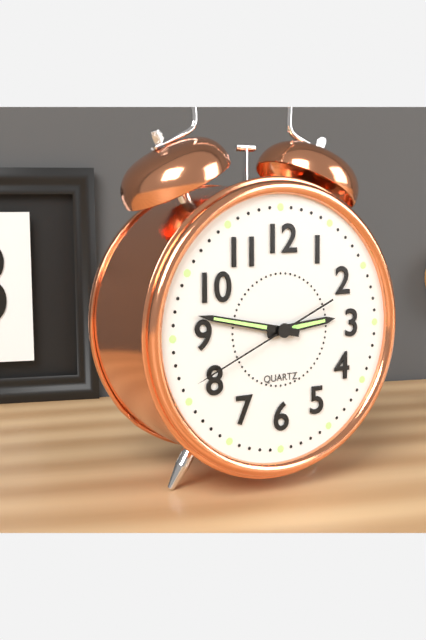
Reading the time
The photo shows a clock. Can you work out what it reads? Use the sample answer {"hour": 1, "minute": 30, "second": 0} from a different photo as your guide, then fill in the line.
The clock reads {"hour": 2, "minute": 47, "second": 41}
